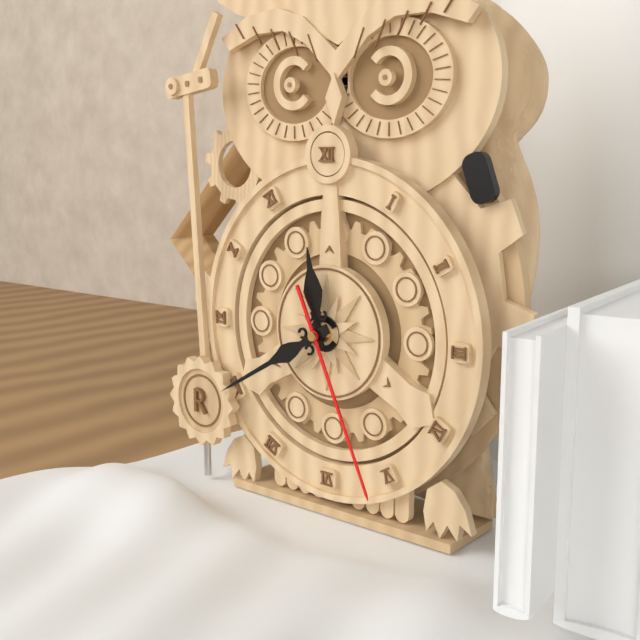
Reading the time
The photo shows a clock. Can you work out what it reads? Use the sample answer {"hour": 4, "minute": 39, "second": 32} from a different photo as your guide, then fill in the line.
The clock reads {"hour": 11, "minute": 40, "second": 26}
